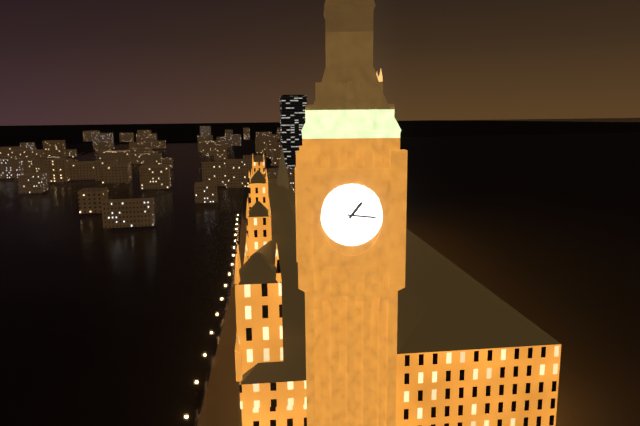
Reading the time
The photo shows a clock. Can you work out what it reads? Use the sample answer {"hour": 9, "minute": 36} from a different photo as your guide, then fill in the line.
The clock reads {"hour": 1, "minute": 16}
